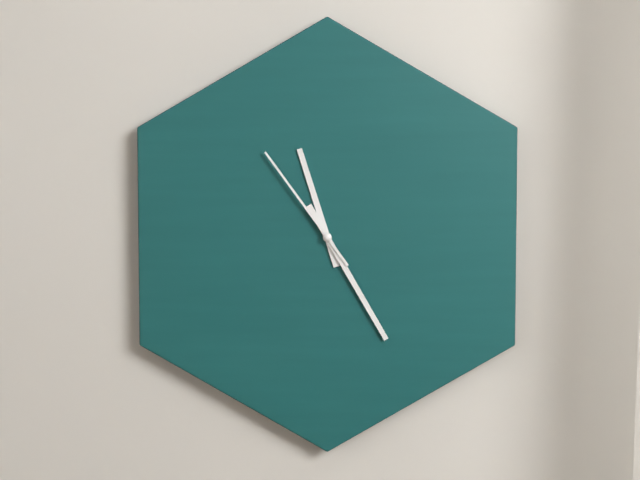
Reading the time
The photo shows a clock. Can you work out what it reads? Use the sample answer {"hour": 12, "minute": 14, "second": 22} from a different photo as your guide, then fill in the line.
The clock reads {"hour": 11, "minute": 25, "second": 54}
